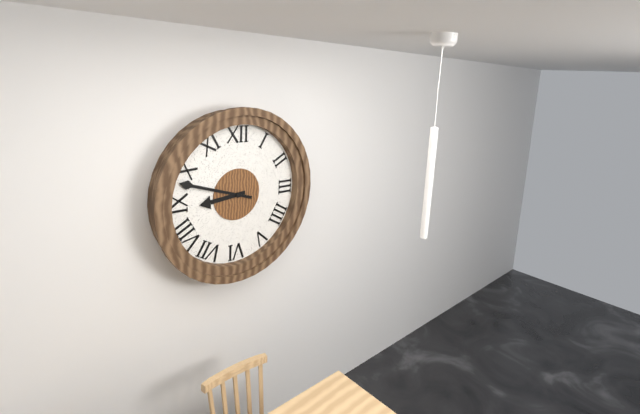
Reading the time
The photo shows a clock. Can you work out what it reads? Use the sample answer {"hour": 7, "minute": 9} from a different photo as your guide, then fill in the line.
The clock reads {"hour": 8, "minute": 48}
